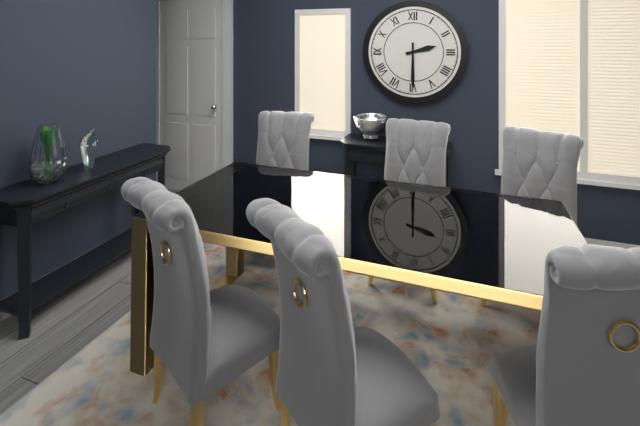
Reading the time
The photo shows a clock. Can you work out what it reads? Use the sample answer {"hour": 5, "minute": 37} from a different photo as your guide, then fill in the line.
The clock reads {"hour": 2, "minute": 30}
